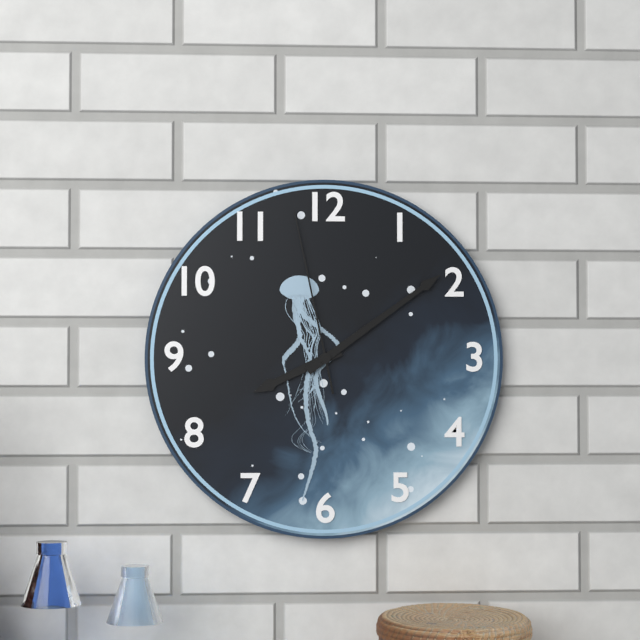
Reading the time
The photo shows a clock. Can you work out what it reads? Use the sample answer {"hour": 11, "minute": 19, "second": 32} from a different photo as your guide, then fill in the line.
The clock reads {"hour": 8, "minute": 9, "second": 58}
